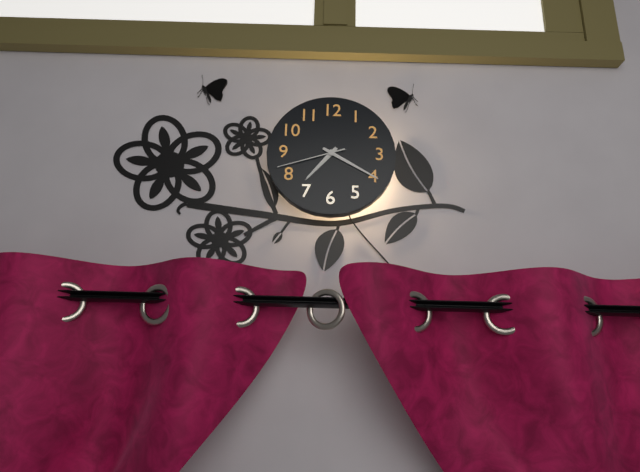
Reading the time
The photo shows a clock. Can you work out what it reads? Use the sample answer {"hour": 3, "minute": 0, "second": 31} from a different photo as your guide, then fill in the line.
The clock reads {"hour": 7, "minute": 20, "second": 42}
